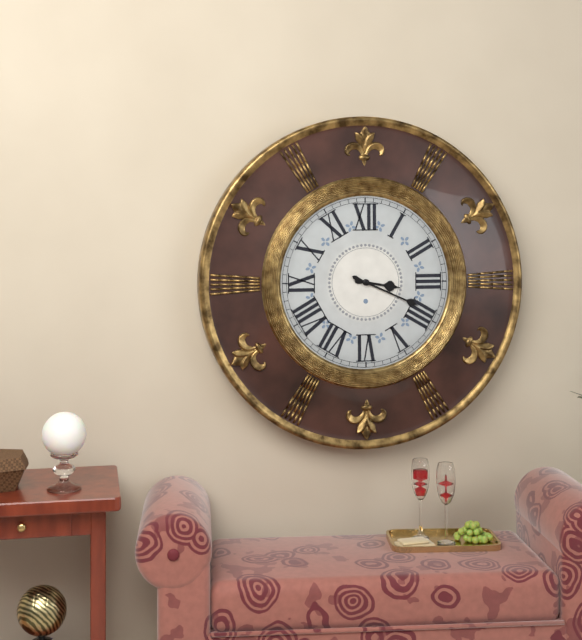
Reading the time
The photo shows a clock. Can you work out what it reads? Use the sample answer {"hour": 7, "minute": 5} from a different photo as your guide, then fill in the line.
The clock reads {"hour": 3, "minute": 19}
